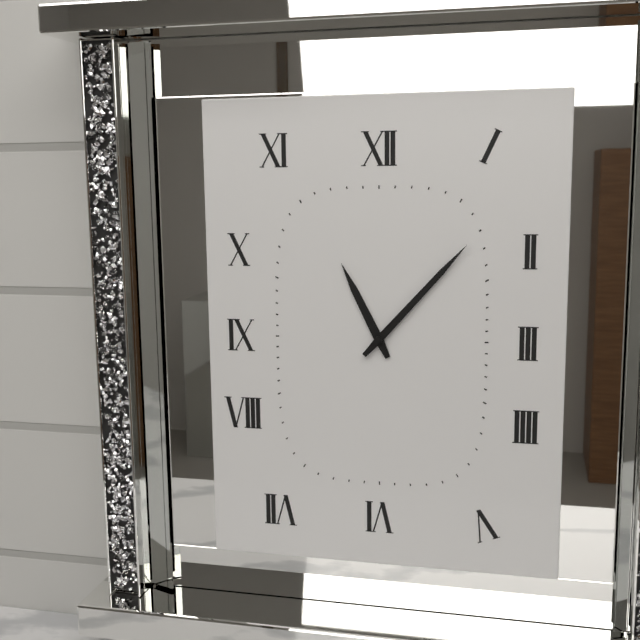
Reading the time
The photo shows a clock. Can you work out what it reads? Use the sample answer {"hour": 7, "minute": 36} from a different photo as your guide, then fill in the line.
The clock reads {"hour": 11, "minute": 7}
